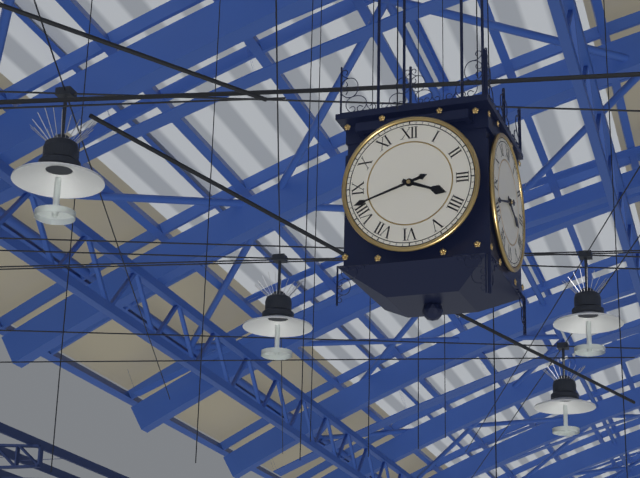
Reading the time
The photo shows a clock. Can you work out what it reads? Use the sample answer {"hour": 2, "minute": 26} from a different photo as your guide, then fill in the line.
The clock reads {"hour": 3, "minute": 42}
